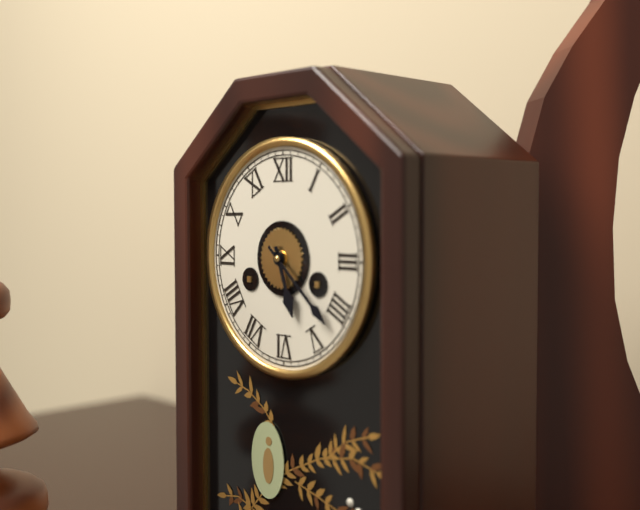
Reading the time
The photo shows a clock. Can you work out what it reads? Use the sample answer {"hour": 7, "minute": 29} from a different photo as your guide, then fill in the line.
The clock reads {"hour": 5, "minute": 22}
